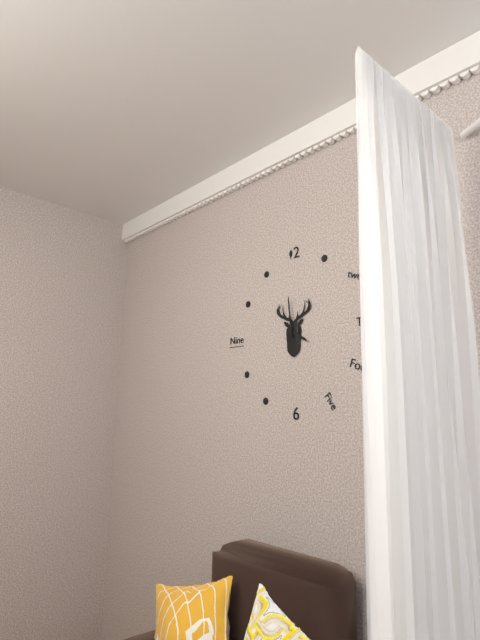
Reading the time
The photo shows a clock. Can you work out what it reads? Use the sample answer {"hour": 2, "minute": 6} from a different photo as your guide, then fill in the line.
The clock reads {"hour": 3, "minute": 59}
